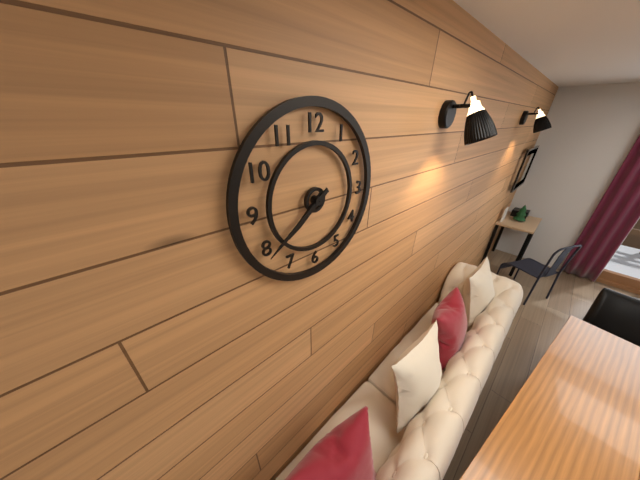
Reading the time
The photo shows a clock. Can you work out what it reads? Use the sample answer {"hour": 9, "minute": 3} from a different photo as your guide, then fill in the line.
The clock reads {"hour": 7, "minute": 39}
